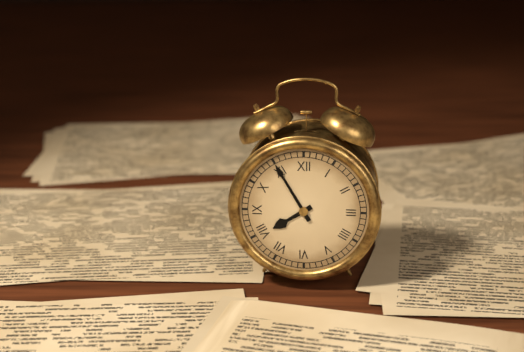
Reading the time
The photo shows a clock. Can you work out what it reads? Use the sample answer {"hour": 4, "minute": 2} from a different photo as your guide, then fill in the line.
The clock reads {"hour": 7, "minute": 55}
